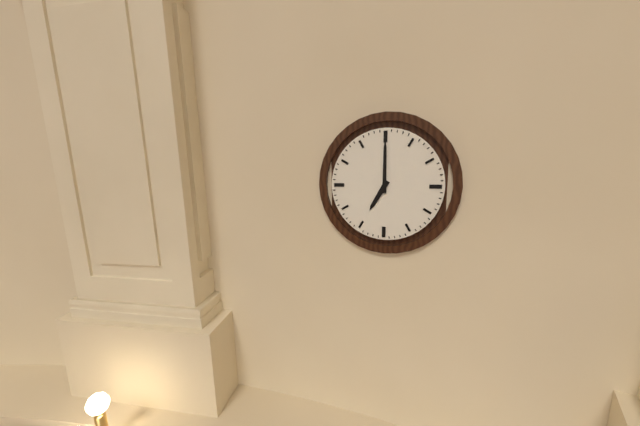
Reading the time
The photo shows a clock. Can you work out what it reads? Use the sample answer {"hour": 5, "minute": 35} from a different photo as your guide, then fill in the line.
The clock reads {"hour": 7, "minute": 0}
